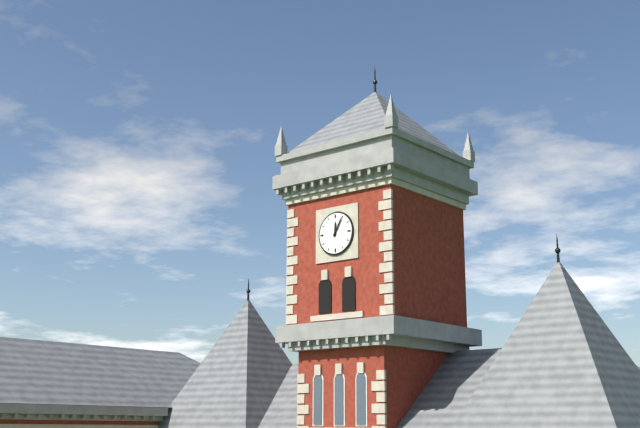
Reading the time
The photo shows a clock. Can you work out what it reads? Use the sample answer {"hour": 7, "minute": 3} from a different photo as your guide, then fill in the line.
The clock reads {"hour": 12, "minute": 5}
